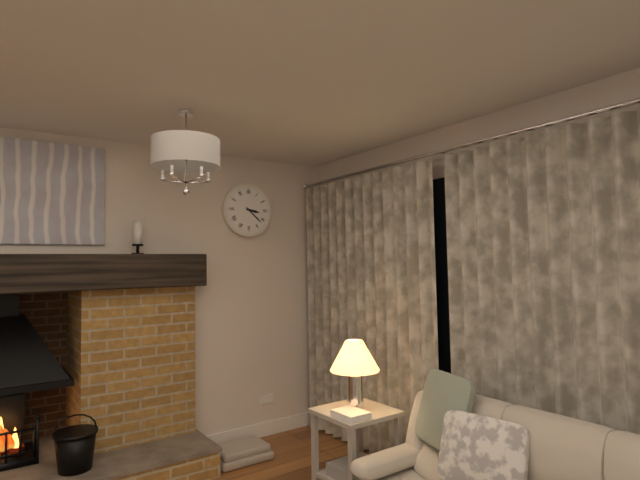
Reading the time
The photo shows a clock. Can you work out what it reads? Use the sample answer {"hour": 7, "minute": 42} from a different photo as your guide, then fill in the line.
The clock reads {"hour": 3, "minute": 22}
